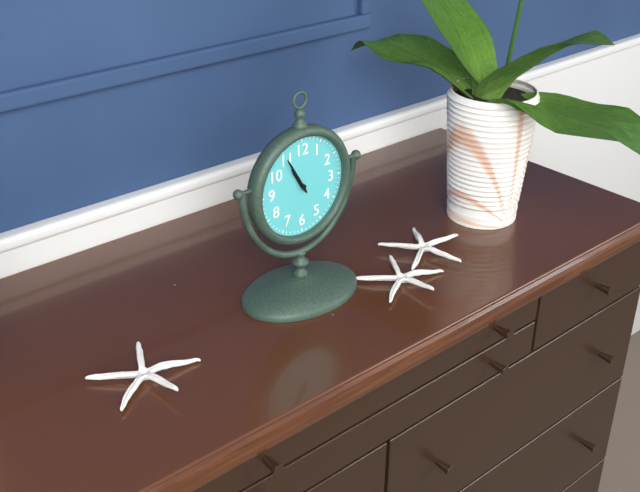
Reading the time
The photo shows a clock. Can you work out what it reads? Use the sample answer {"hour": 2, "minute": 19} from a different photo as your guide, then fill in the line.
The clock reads {"hour": 10, "minute": 55}
